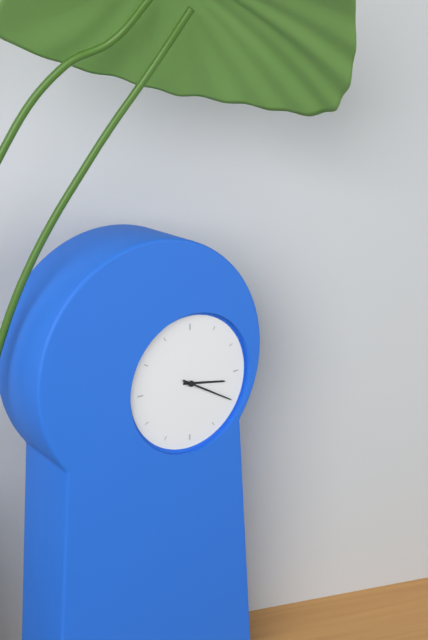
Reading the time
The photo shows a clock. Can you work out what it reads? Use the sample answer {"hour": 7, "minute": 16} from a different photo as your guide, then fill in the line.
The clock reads {"hour": 3, "minute": 20}
